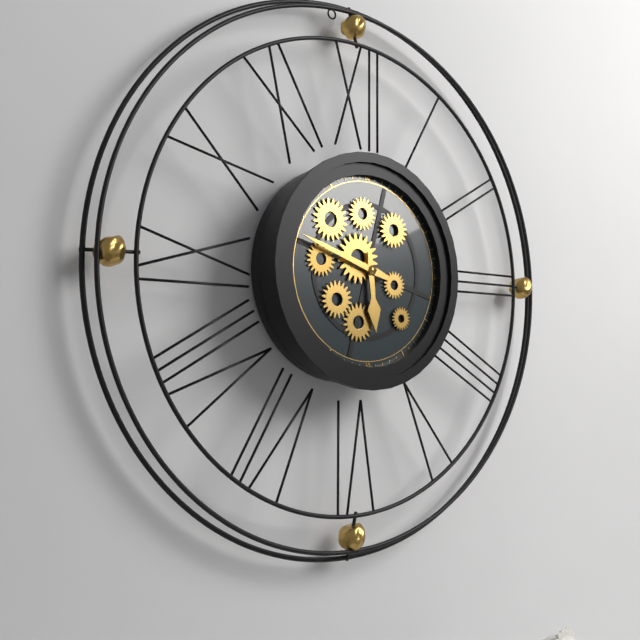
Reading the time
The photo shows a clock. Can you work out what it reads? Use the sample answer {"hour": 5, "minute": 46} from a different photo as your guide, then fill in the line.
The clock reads {"hour": 5, "minute": 48}
